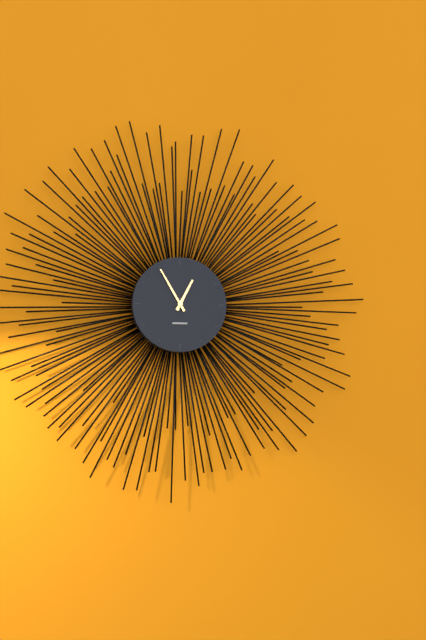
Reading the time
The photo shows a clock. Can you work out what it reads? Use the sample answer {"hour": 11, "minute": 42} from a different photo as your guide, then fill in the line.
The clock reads {"hour": 12, "minute": 55}
